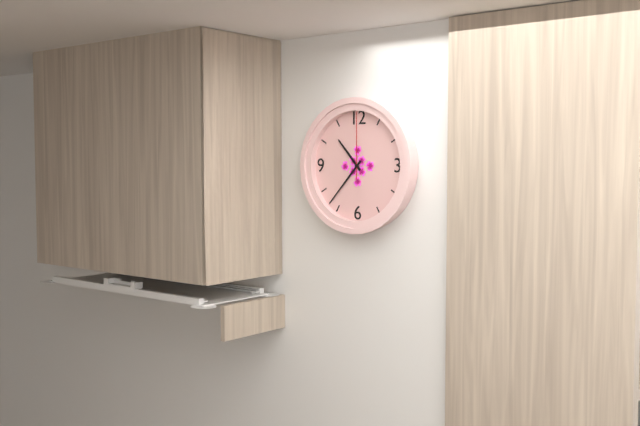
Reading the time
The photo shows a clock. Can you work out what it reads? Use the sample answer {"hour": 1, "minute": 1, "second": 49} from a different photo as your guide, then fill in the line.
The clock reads {"hour": 10, "minute": 37, "second": 0}
